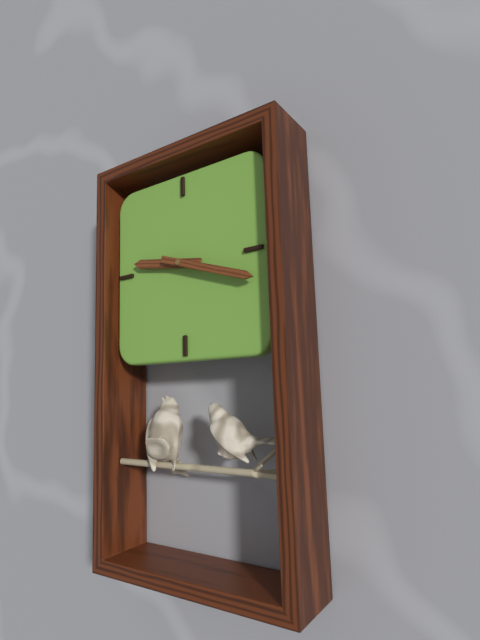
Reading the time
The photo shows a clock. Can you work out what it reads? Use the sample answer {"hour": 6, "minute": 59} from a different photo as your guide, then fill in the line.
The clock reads {"hour": 9, "minute": 18}
